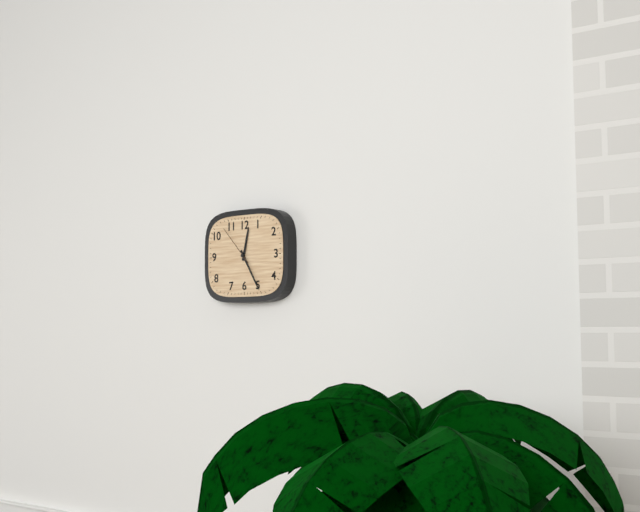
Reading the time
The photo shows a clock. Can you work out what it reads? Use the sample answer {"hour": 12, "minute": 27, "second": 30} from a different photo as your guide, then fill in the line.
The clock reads {"hour": 12, "minute": 25, "second": 53}
